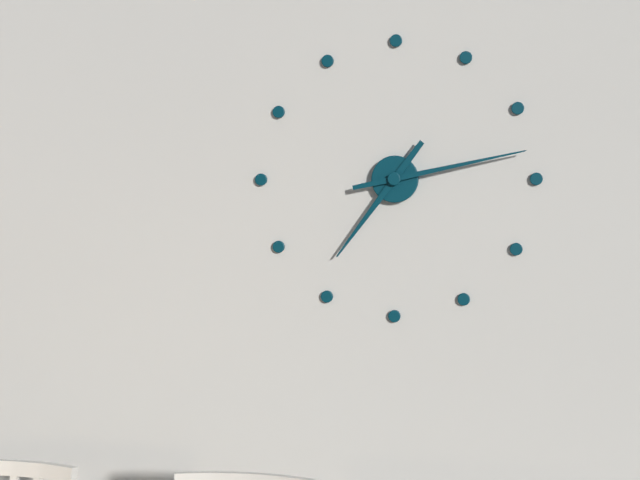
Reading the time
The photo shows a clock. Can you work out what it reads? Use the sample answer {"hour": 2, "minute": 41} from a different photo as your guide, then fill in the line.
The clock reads {"hour": 7, "minute": 13}
